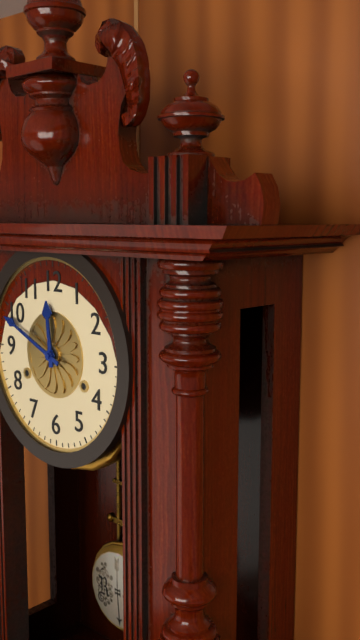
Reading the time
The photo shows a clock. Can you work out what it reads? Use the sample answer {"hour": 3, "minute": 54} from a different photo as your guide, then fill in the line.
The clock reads {"hour": 11, "minute": 49}
